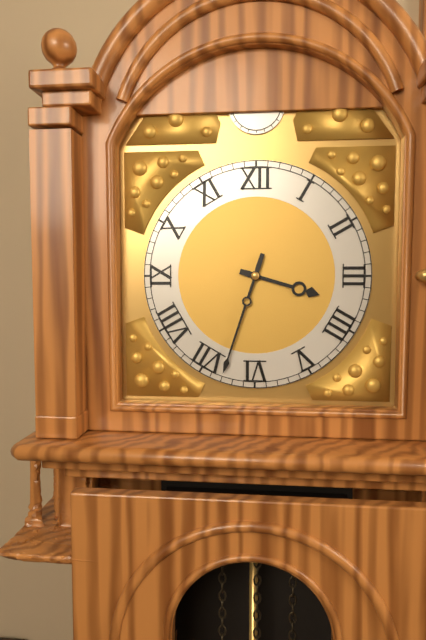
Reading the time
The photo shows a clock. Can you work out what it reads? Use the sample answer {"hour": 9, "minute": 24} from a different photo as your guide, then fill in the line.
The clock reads {"hour": 3, "minute": 33}
